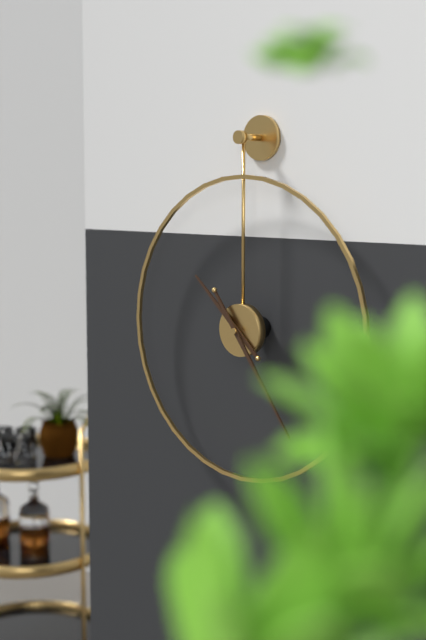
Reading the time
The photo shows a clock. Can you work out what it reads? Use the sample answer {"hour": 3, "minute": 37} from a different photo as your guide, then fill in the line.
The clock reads {"hour": 10, "minute": 24}
